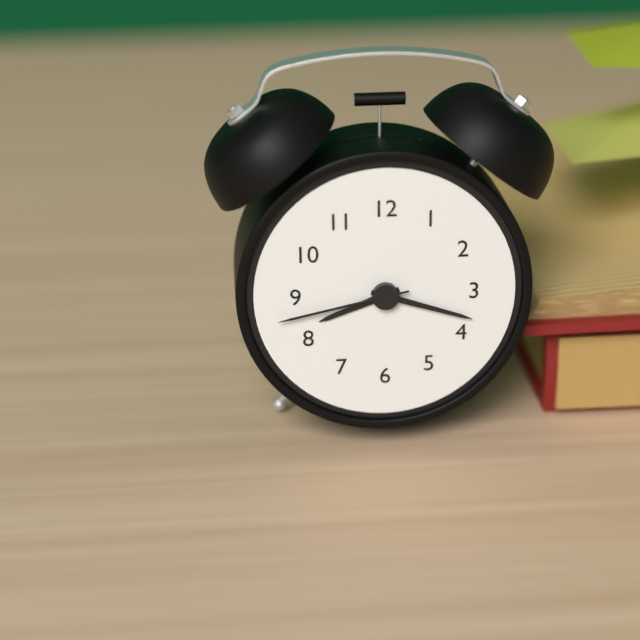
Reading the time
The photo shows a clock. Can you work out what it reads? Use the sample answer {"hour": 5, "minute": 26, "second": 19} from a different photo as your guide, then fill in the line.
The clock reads {"hour": 8, "minute": 18, "second": 43}
